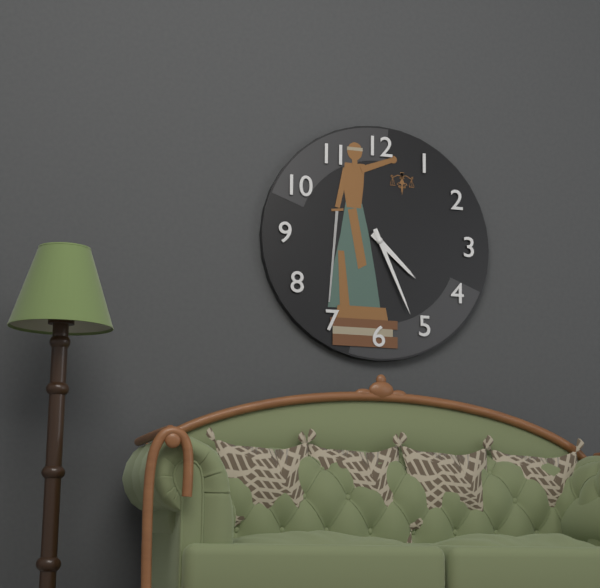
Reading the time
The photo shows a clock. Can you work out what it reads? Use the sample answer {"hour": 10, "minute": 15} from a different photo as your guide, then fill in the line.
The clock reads {"hour": 4, "minute": 26}
